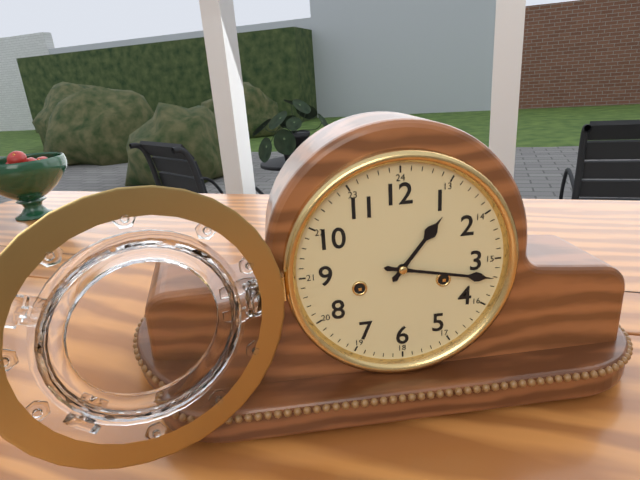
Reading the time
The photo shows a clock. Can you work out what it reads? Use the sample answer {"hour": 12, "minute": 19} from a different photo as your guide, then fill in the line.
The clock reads {"hour": 1, "minute": 17}
